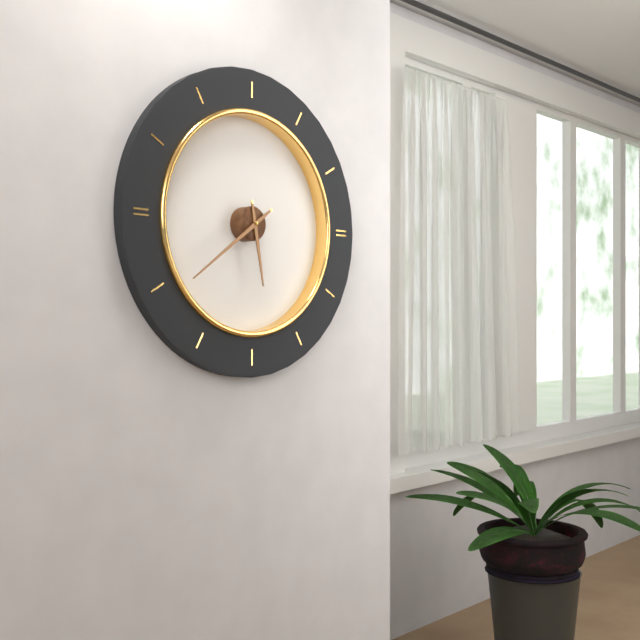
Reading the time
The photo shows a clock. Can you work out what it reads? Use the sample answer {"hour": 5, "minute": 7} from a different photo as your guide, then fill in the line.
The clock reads {"hour": 5, "minute": 39}
